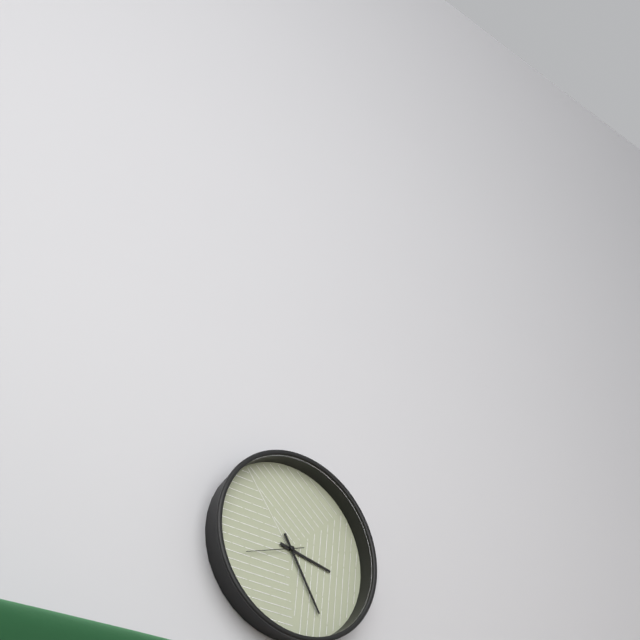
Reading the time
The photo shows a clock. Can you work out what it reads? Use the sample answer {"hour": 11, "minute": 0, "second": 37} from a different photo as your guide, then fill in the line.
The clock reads {"hour": 3, "minute": 25, "second": 42}
